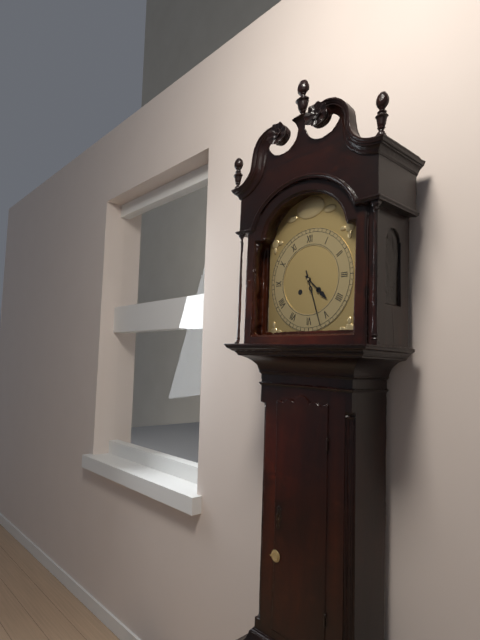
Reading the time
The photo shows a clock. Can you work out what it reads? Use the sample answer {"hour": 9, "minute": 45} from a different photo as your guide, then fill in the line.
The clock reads {"hour": 4, "minute": 27}
